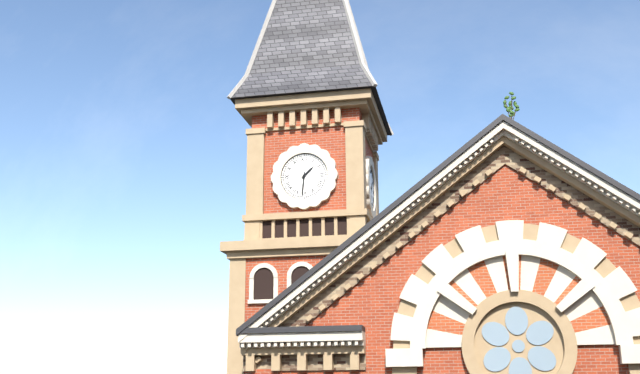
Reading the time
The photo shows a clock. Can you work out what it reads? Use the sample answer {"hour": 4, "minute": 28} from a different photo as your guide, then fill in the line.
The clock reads {"hour": 1, "minute": 31}
